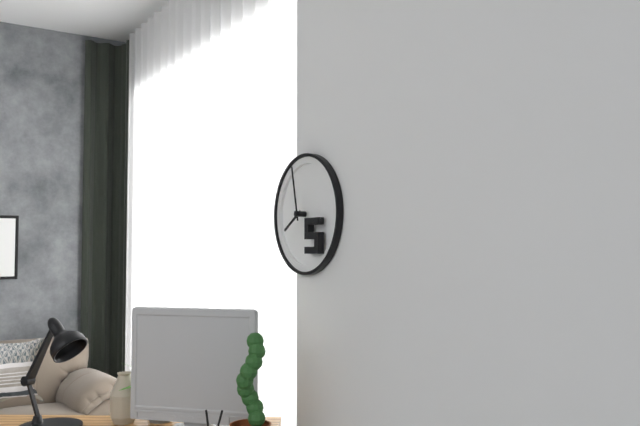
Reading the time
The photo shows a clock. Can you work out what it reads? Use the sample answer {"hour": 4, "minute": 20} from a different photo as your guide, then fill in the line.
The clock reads {"hour": 7, "minute": 58}
